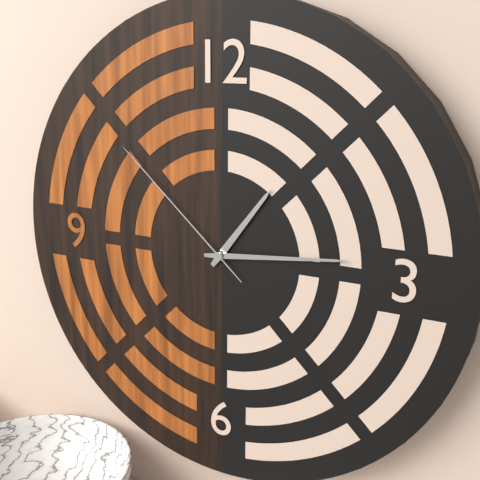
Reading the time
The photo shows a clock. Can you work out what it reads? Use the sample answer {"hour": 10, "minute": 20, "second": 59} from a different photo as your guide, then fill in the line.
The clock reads {"hour": 1, "minute": 14, "second": 52}
